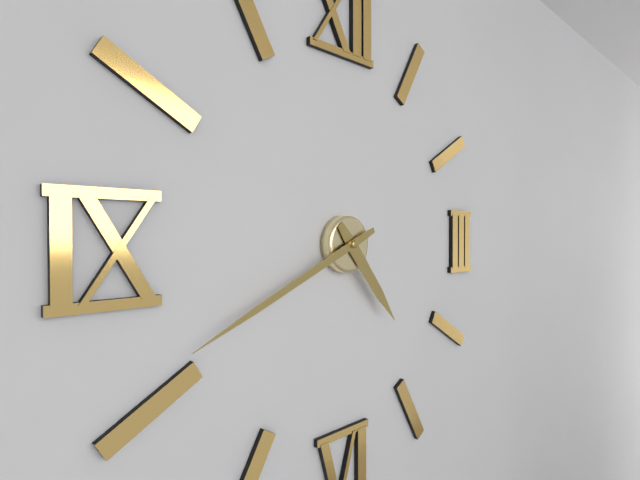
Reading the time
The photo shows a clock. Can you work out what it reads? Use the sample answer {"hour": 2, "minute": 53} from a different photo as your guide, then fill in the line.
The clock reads {"hour": 4, "minute": 41}
